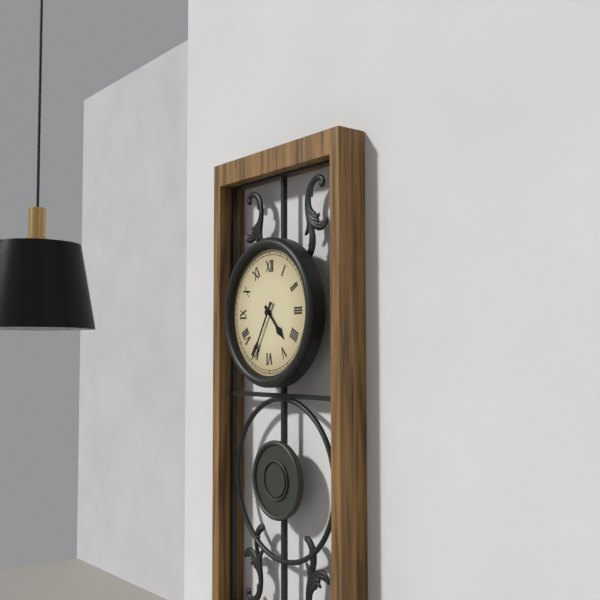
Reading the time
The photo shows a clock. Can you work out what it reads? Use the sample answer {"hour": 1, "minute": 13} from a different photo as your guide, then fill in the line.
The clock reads {"hour": 4, "minute": 35}
